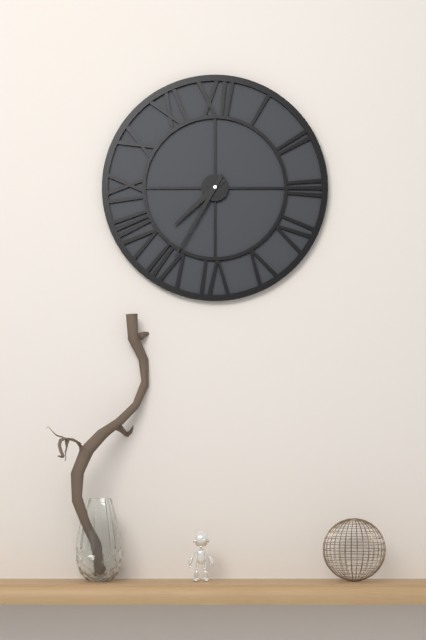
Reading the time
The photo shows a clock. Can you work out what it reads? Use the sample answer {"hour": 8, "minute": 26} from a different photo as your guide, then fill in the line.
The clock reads {"hour": 7, "minute": 35}
